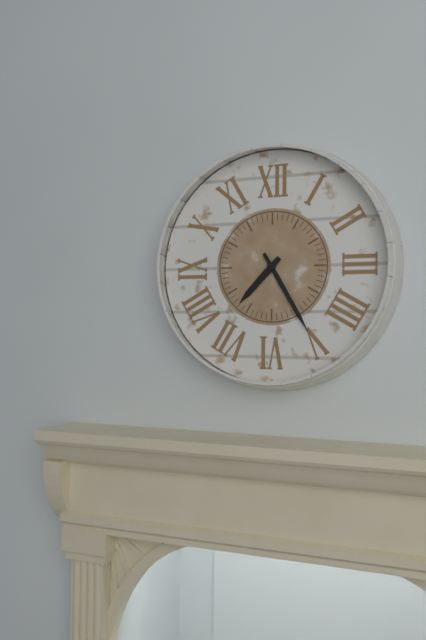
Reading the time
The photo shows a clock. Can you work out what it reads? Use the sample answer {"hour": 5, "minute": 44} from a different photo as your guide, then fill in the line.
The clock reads {"hour": 7, "minute": 25}
